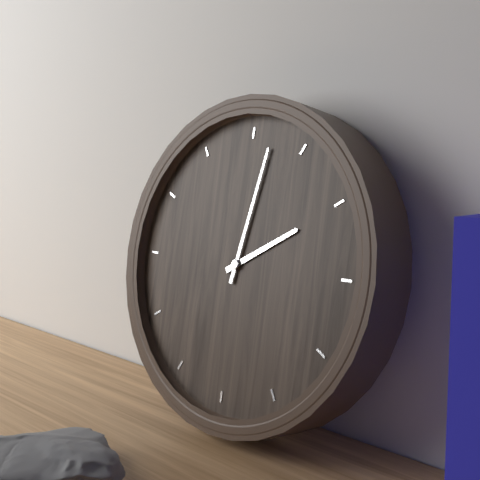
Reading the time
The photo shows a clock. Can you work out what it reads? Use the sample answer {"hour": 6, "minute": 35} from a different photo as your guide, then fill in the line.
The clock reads {"hour": 2, "minute": 2}
